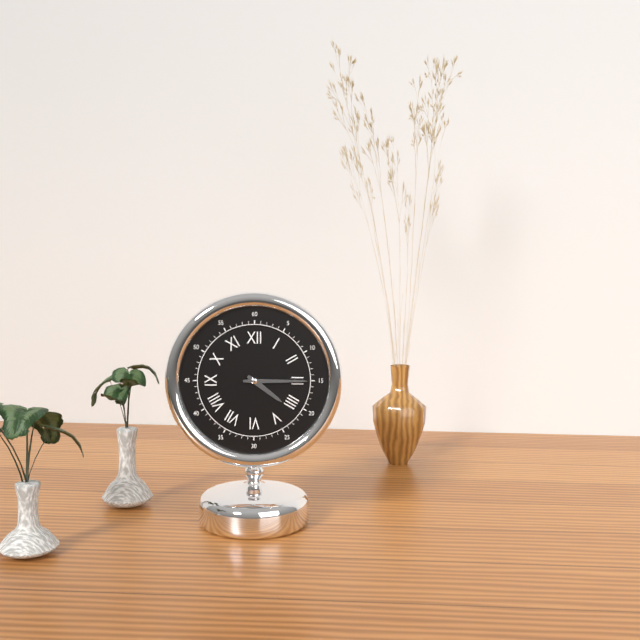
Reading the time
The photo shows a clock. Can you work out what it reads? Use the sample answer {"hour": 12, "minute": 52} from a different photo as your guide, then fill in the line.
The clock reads {"hour": 4, "minute": 15}
